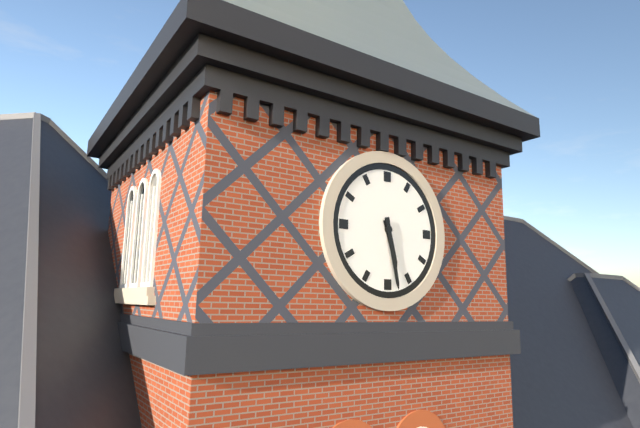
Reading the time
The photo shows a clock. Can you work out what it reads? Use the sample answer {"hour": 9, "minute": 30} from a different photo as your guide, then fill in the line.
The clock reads {"hour": 5, "minute": 28}
